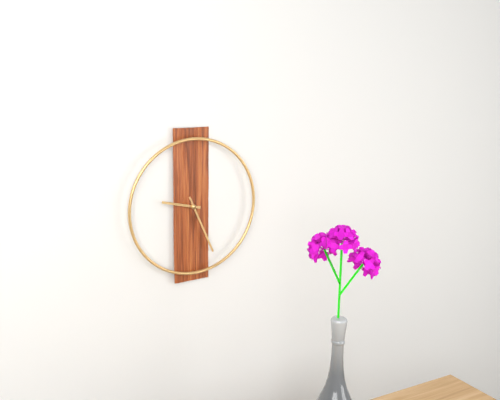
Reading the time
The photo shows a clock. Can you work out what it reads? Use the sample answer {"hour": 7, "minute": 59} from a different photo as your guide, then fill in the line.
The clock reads {"hour": 9, "minute": 26}
